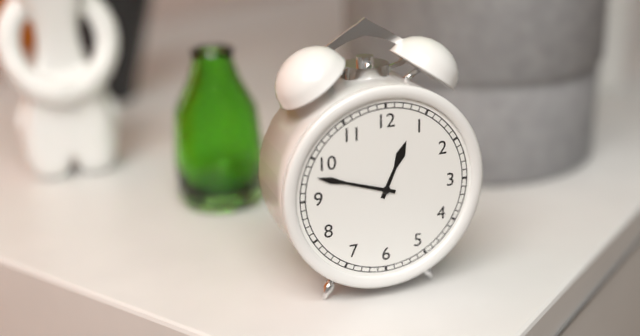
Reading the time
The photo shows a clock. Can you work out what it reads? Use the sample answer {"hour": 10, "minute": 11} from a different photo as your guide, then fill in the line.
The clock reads {"hour": 12, "minute": 48}
